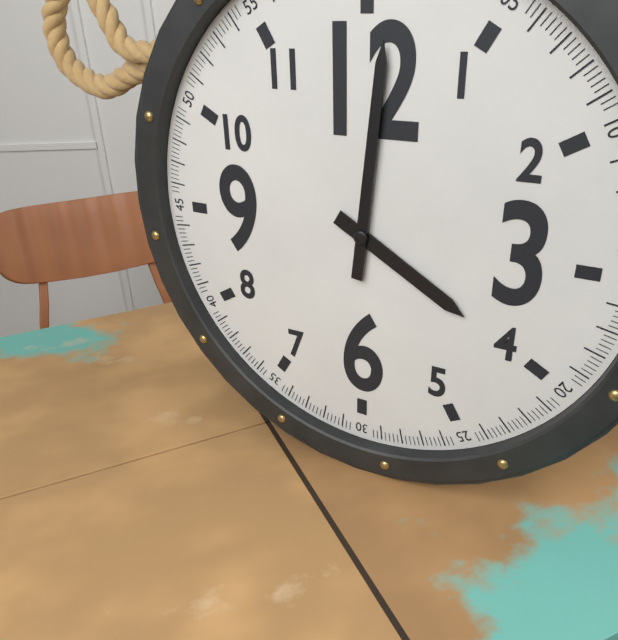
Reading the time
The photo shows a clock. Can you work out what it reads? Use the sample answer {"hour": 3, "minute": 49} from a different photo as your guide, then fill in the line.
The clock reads {"hour": 4, "minute": 1}
